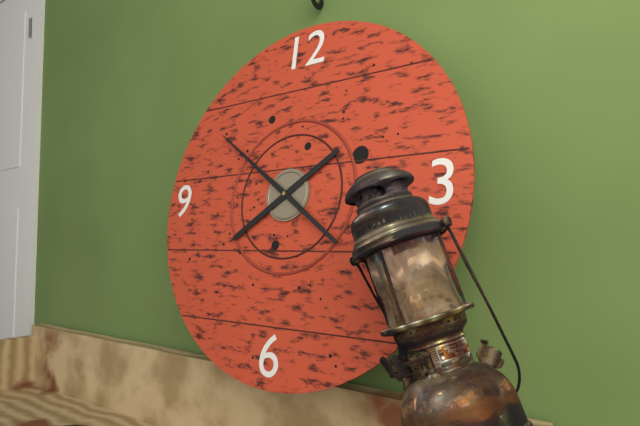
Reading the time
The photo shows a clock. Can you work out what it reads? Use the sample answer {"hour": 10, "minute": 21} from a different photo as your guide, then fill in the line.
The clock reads {"hour": 7, "minute": 51}
